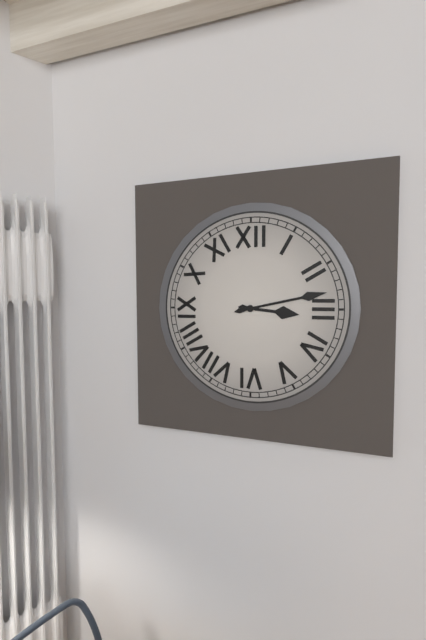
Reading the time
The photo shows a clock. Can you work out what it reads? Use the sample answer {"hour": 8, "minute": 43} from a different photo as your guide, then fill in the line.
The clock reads {"hour": 3, "minute": 13}
